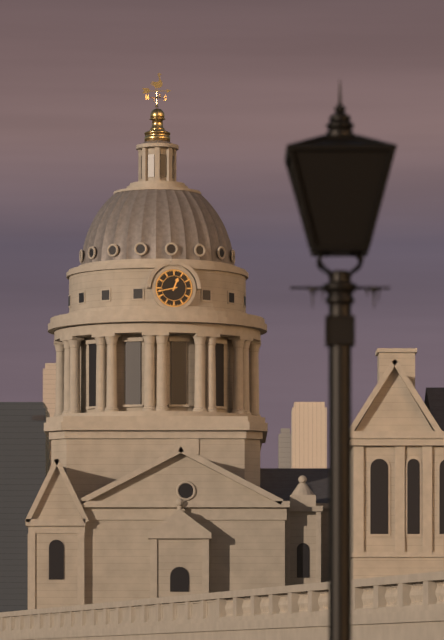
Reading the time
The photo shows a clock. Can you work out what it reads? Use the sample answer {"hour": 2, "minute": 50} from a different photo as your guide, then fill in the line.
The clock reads {"hour": 12, "minute": 43}
